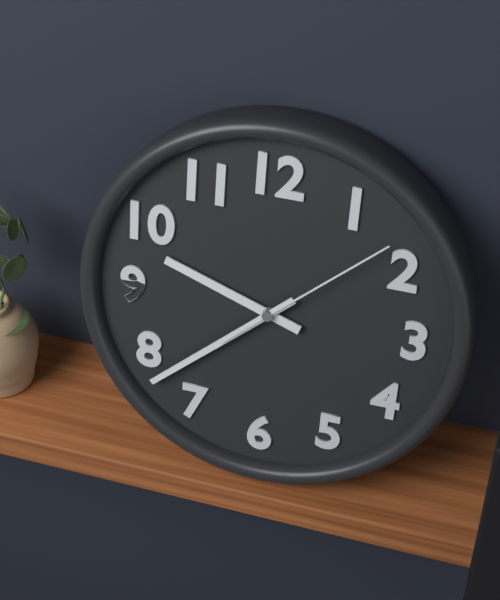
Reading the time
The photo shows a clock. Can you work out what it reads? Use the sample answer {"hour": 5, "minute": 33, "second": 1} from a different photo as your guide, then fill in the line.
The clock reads {"hour": 9, "minute": 38, "second": 8}
